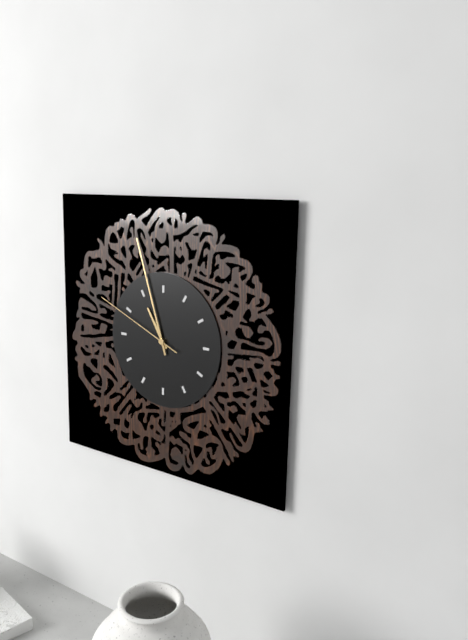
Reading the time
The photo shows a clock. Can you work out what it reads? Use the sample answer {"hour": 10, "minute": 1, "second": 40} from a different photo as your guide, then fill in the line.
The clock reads {"hour": 10, "minute": 57, "second": 49}
